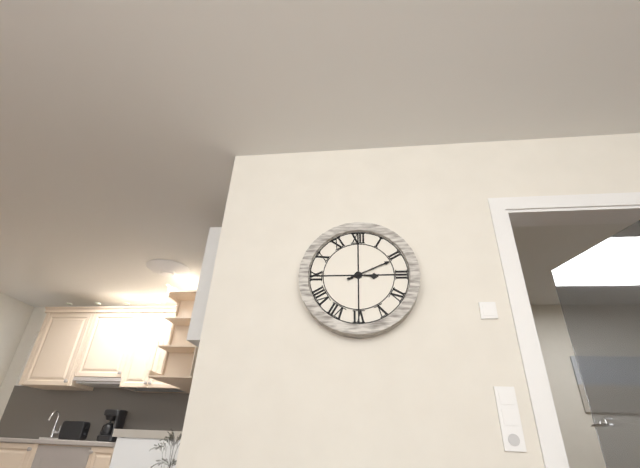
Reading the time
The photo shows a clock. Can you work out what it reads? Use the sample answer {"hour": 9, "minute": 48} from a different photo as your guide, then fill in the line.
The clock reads {"hour": 3, "minute": 11}
